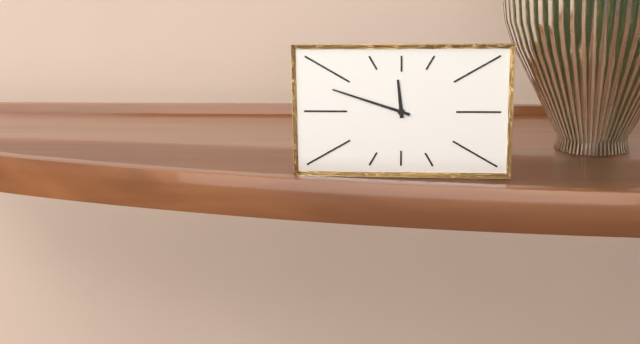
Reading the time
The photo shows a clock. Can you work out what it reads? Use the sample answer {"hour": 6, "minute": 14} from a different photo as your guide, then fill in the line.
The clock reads {"hour": 11, "minute": 48}
